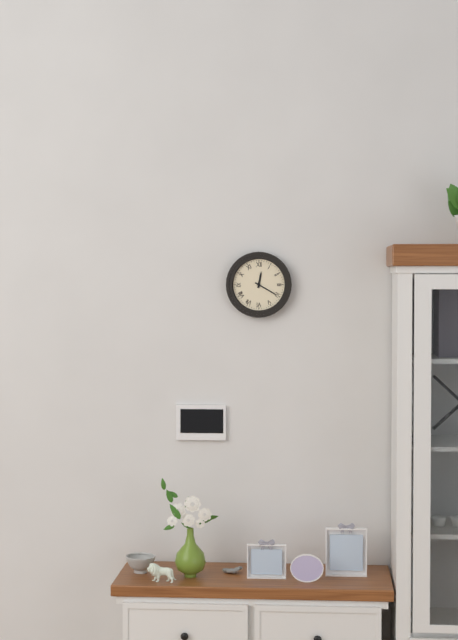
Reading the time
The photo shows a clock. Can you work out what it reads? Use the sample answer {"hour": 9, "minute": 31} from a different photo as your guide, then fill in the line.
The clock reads {"hour": 12, "minute": 20}
